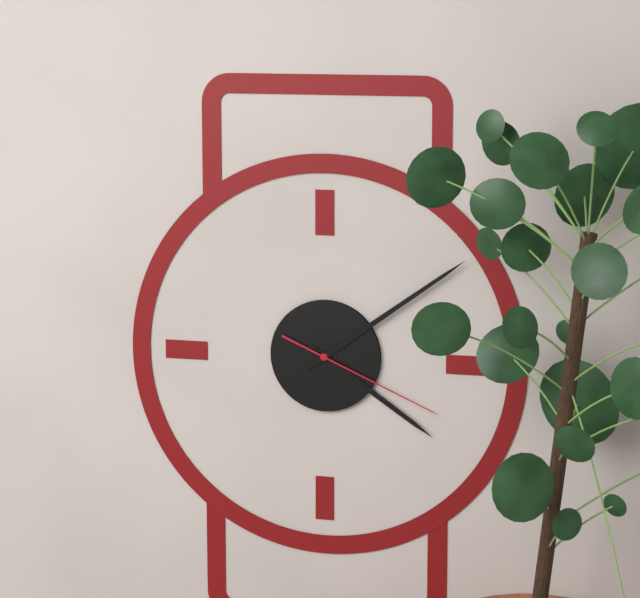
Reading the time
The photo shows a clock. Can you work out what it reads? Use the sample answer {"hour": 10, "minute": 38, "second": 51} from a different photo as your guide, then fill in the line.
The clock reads {"hour": 4, "minute": 9, "second": 19}
